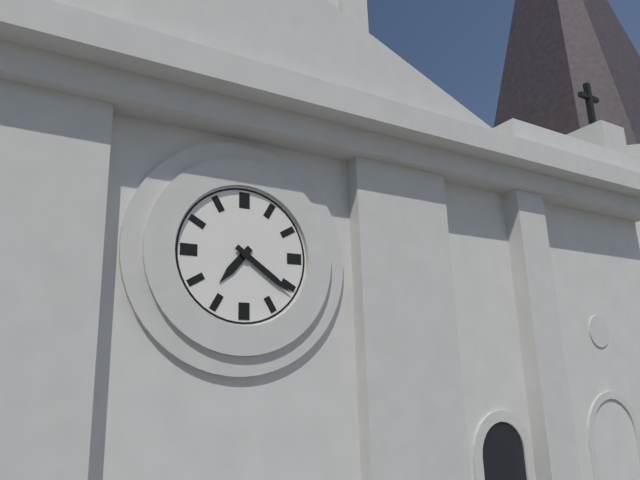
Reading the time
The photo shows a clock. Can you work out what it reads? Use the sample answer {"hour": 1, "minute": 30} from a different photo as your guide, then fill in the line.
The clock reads {"hour": 7, "minute": 21}
